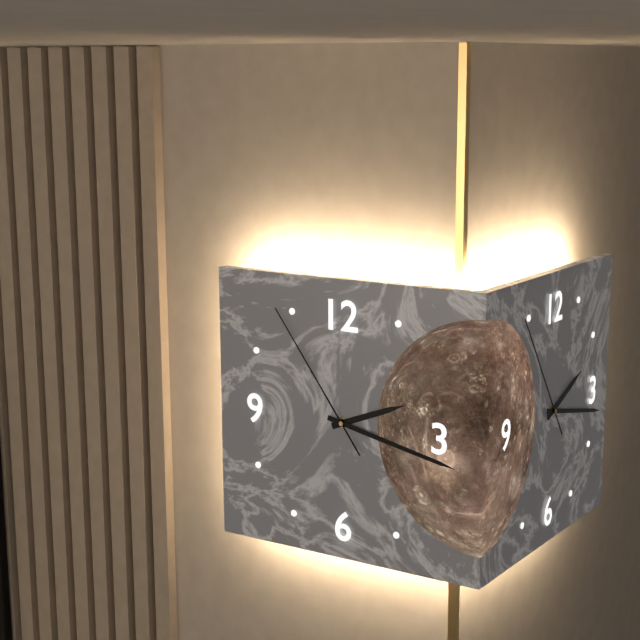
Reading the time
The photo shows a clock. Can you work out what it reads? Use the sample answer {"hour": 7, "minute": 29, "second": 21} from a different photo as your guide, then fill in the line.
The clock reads {"hour": 2, "minute": 17, "second": 54}
